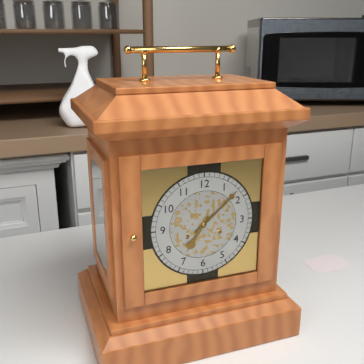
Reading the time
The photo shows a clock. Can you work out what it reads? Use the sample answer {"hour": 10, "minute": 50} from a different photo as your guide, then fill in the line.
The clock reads {"hour": 7, "minute": 8}
